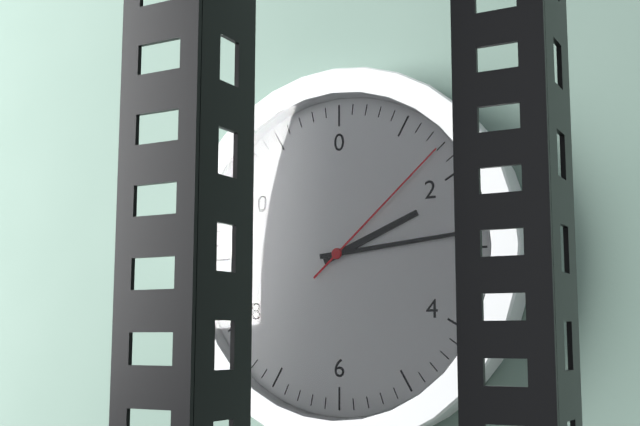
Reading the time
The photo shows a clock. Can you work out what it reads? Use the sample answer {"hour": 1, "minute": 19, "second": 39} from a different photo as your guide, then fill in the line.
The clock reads {"hour": 2, "minute": 14, "second": 8}
